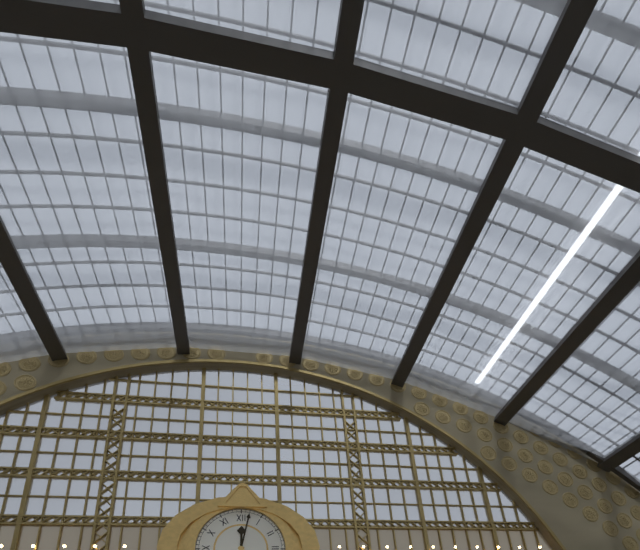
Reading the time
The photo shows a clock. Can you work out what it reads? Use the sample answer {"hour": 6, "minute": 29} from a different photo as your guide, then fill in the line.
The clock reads {"hour": 12, "minute": 2}
